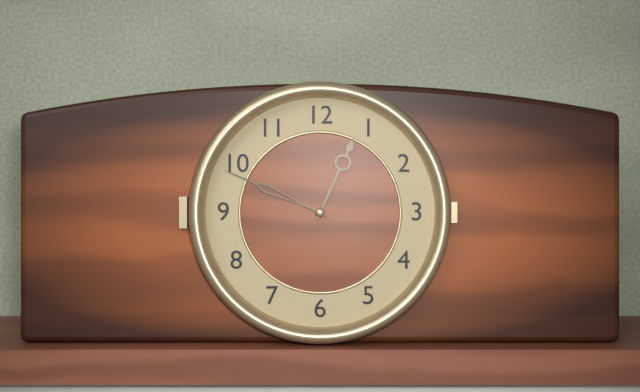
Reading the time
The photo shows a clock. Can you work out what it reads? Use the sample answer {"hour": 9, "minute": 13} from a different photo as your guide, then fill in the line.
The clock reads {"hour": 12, "minute": 49}
